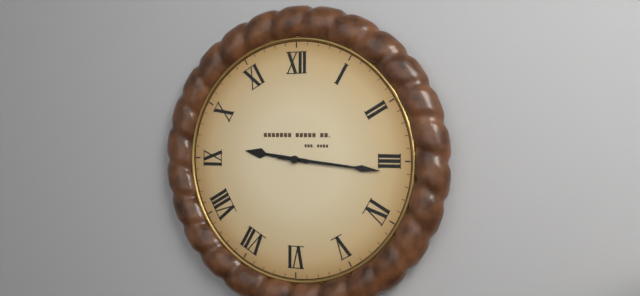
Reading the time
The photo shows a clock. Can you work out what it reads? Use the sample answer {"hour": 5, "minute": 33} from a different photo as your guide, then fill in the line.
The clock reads {"hour": 9, "minute": 16}
